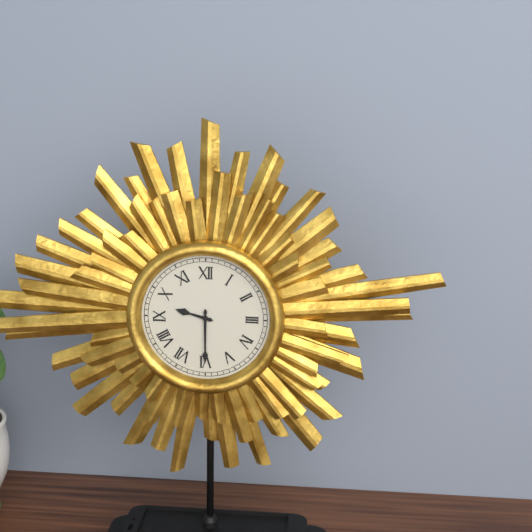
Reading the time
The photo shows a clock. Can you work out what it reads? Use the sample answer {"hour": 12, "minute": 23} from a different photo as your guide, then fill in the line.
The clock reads {"hour": 9, "minute": 30}
